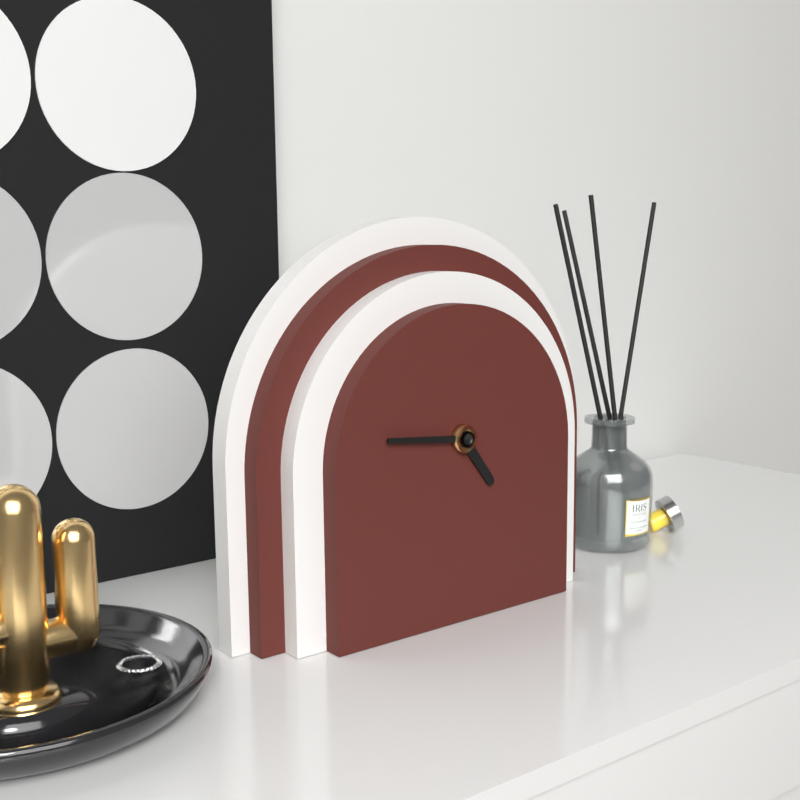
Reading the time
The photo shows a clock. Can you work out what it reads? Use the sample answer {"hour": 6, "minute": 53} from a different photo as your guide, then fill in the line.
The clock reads {"hour": 4, "minute": 46}
